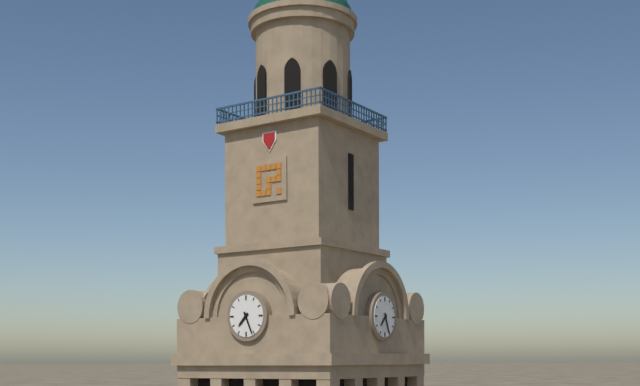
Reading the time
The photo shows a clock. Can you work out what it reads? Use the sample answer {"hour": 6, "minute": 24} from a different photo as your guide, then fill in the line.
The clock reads {"hour": 7, "minute": 26}
